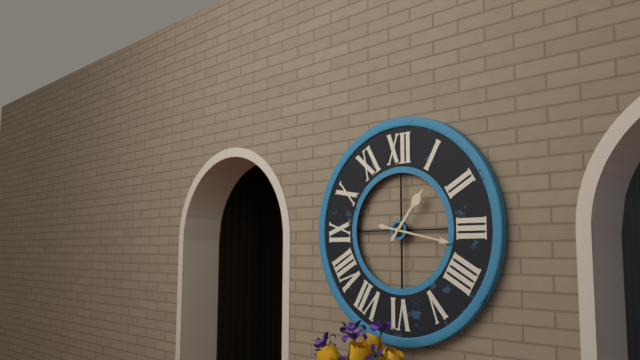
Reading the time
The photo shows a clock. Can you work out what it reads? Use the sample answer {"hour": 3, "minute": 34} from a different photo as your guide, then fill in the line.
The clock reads {"hour": 1, "minute": 17}
